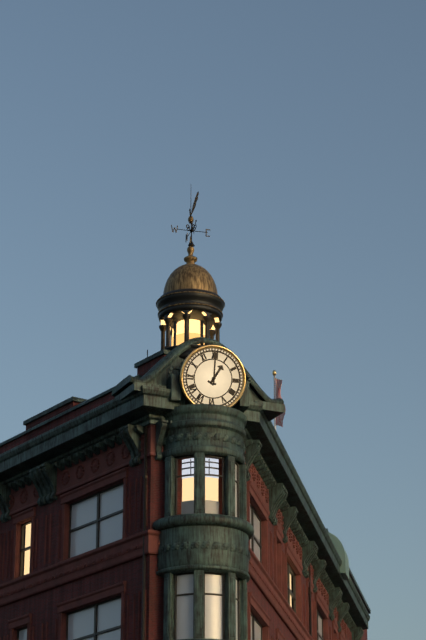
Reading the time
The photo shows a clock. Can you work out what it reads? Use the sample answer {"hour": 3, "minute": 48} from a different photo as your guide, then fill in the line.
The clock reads {"hour": 1, "minute": 0}
